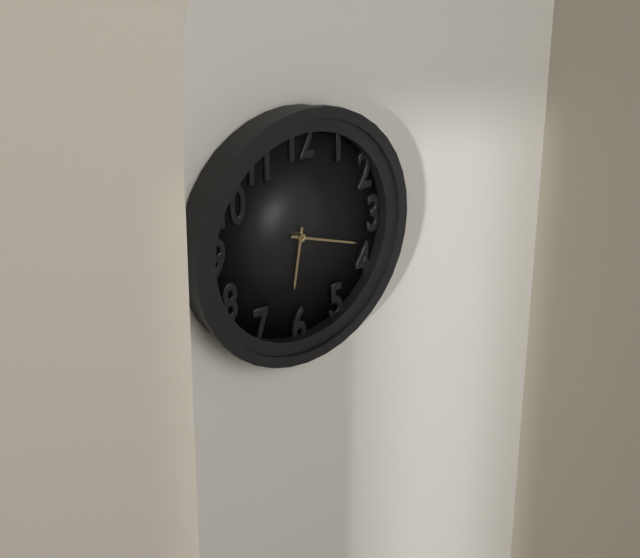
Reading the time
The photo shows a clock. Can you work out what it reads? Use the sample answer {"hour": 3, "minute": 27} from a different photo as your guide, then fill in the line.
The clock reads {"hour": 6, "minute": 18}
